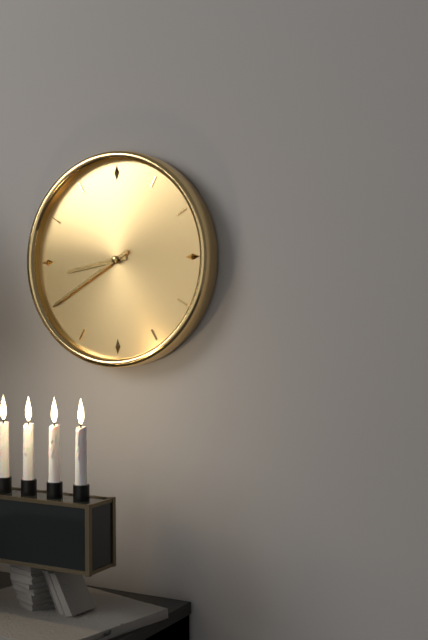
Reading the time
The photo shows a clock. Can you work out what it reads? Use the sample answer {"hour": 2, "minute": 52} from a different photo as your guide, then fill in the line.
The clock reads {"hour": 8, "minute": 40}
